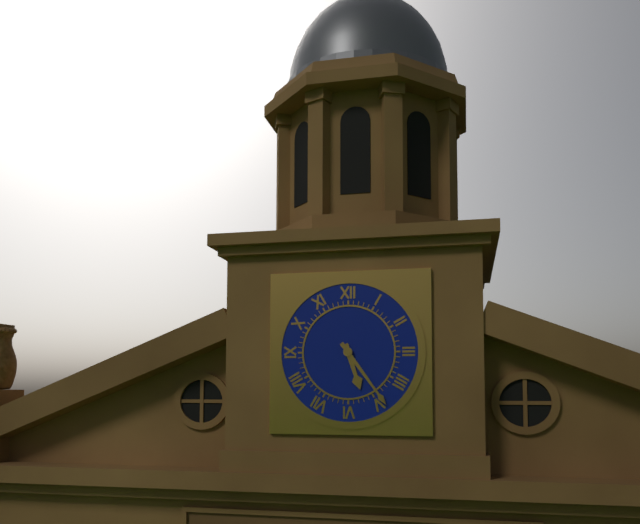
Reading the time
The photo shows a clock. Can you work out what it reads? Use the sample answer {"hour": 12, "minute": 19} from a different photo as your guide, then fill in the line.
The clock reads {"hour": 5, "minute": 24}
